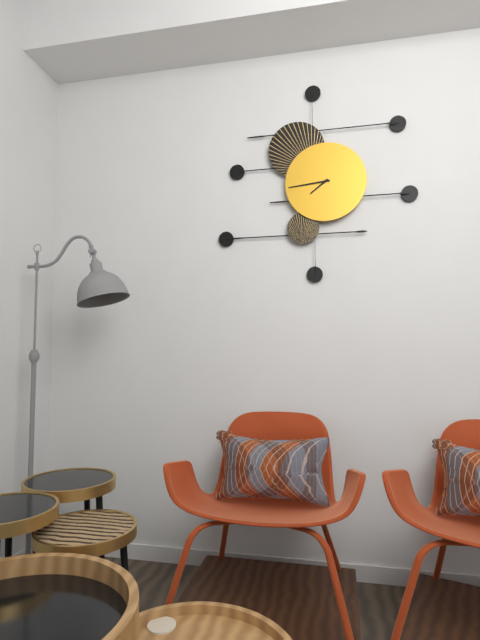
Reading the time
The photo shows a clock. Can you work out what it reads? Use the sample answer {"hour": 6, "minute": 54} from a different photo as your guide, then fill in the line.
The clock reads {"hour": 7, "minute": 44}
